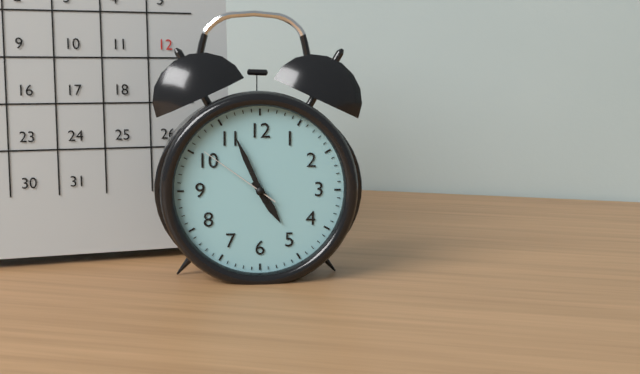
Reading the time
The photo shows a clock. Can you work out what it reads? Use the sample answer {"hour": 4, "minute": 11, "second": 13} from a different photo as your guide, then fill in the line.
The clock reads {"hour": 4, "minute": 56, "second": 51}
